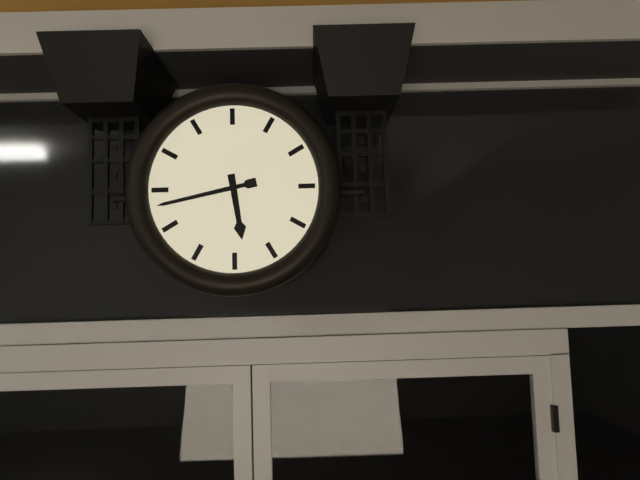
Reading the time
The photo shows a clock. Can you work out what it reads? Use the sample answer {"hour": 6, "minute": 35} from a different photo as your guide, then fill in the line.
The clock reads {"hour": 5, "minute": 43}
